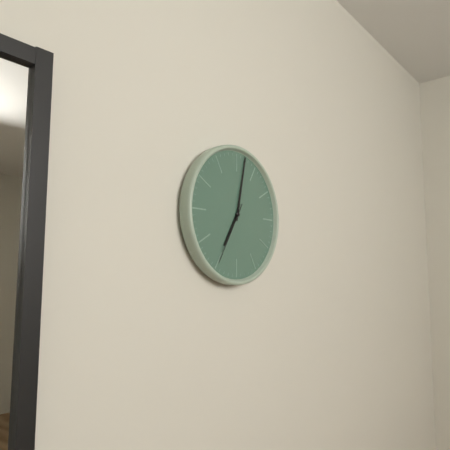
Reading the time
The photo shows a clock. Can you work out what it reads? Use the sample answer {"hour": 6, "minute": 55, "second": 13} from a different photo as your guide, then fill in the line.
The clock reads {"hour": 7, "minute": 2, "second": 35}
